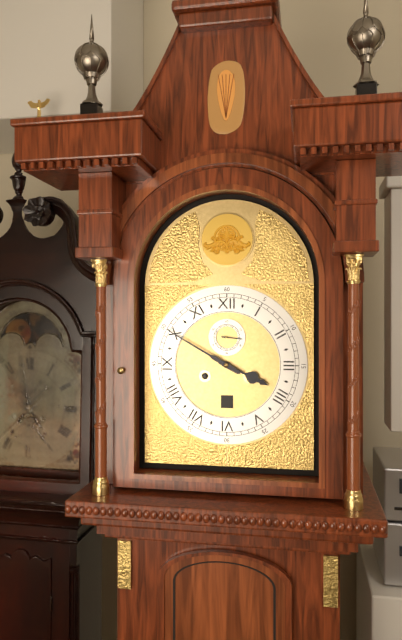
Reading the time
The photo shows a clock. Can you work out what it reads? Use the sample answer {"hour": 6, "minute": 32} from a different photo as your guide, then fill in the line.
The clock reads {"hour": 3, "minute": 50}
